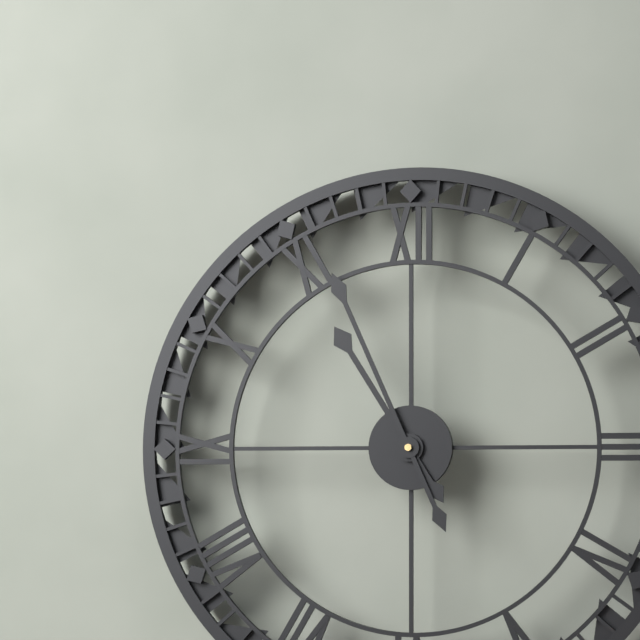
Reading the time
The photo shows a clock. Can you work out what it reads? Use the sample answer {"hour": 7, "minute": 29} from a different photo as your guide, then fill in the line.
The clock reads {"hour": 10, "minute": 56}
